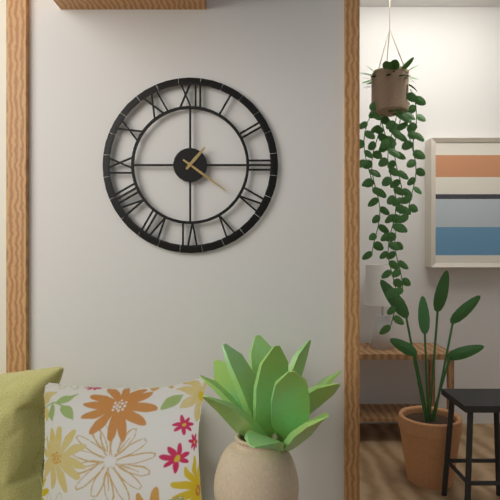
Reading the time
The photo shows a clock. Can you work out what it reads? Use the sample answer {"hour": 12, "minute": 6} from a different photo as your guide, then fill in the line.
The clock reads {"hour": 1, "minute": 21}
